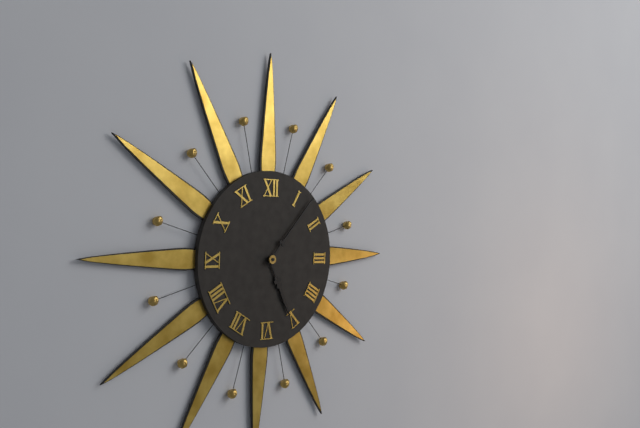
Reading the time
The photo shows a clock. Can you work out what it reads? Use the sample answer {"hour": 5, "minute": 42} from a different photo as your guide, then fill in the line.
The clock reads {"hour": 5, "minute": 7}
